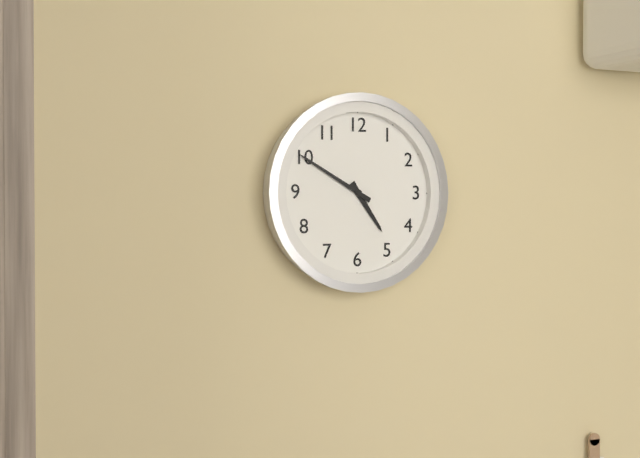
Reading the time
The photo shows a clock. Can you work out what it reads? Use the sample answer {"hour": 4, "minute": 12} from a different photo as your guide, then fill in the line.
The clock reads {"hour": 4, "minute": 50}
